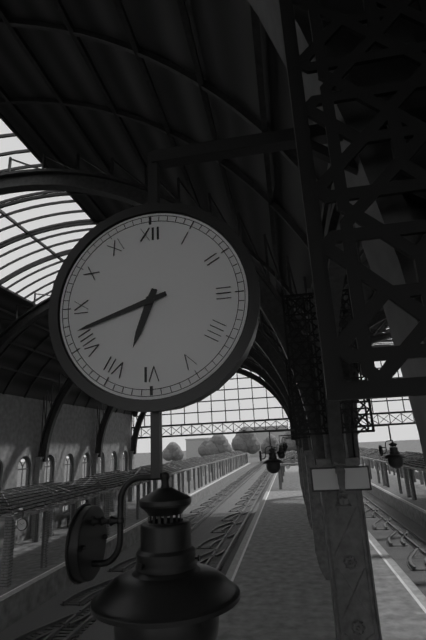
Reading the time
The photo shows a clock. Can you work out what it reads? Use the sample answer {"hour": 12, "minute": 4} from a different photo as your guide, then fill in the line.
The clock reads {"hour": 6, "minute": 42}
